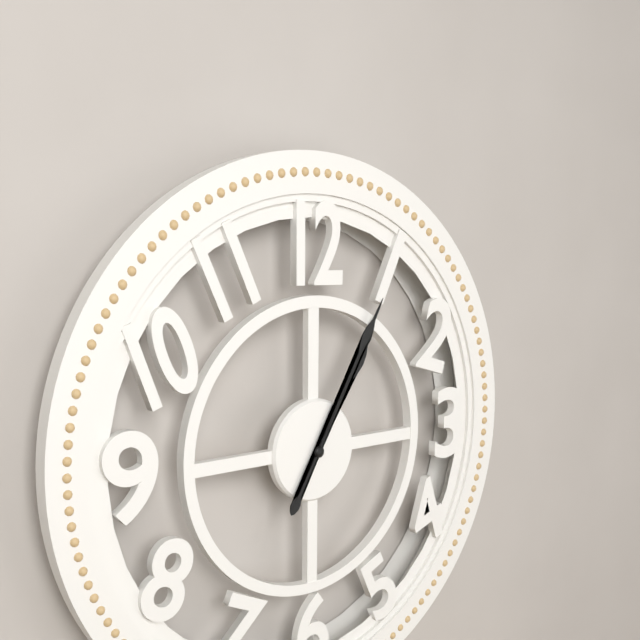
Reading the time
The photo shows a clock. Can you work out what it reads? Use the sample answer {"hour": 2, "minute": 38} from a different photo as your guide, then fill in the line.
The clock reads {"hour": 1, "minute": 5}
